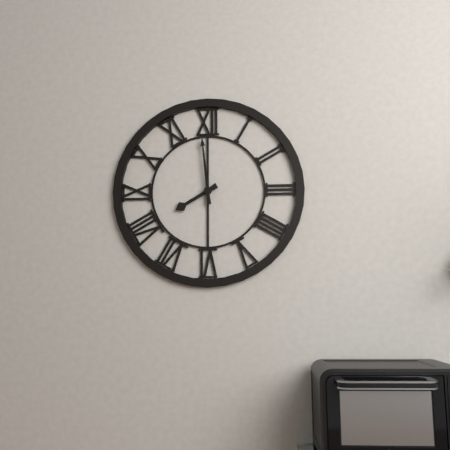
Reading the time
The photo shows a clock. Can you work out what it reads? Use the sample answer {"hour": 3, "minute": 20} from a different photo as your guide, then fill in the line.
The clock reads {"hour": 7, "minute": 59}
